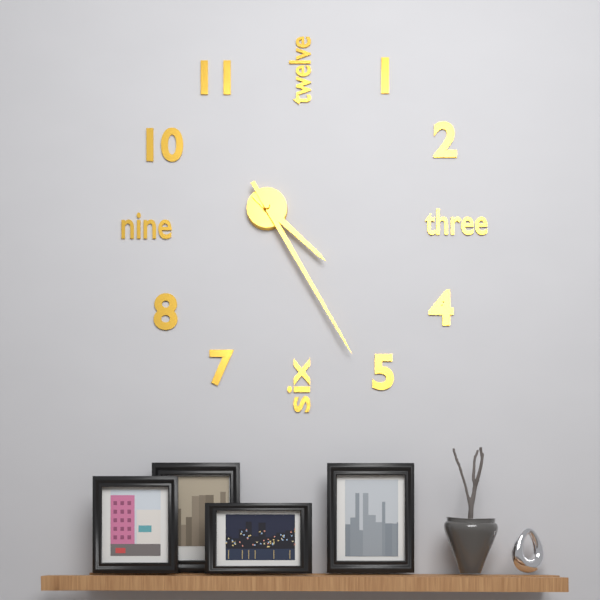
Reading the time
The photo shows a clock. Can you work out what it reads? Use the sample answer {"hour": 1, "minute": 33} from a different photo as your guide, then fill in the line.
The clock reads {"hour": 4, "minute": 25}
